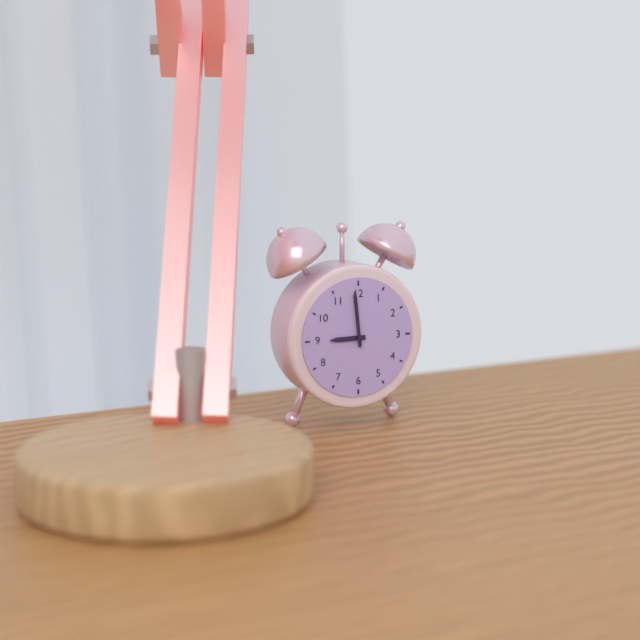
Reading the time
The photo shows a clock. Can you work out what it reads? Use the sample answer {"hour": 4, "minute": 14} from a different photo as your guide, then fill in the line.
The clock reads {"hour": 8, "minute": 59}
